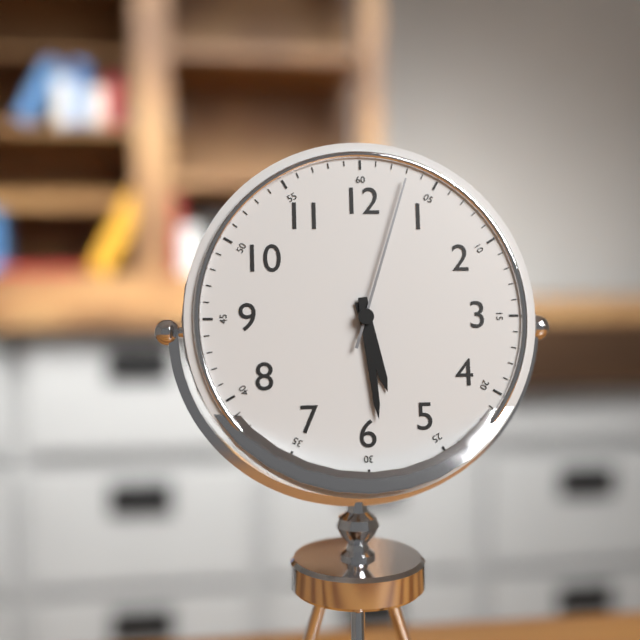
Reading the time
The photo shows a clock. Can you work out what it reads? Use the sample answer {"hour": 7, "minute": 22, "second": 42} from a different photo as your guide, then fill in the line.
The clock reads {"hour": 5, "minute": 29, "second": 3}
